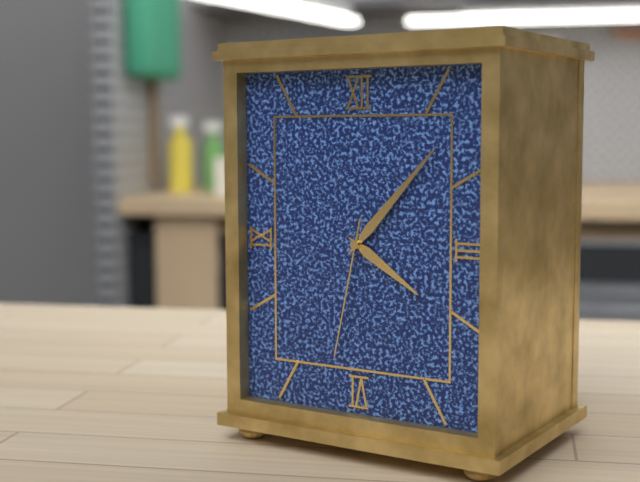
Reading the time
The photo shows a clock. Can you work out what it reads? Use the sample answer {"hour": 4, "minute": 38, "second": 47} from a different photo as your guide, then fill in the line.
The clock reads {"hour": 4, "minute": 7, "second": 32}
